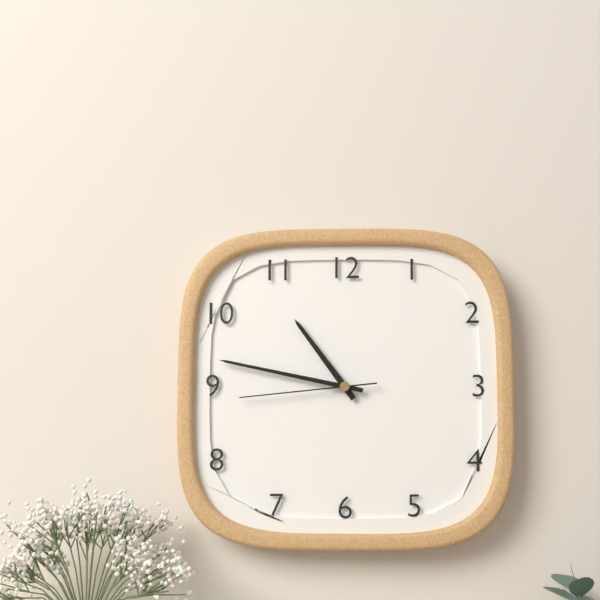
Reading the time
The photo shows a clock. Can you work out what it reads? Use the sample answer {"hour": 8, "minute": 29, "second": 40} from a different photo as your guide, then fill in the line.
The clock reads {"hour": 10, "minute": 47, "second": 44}
